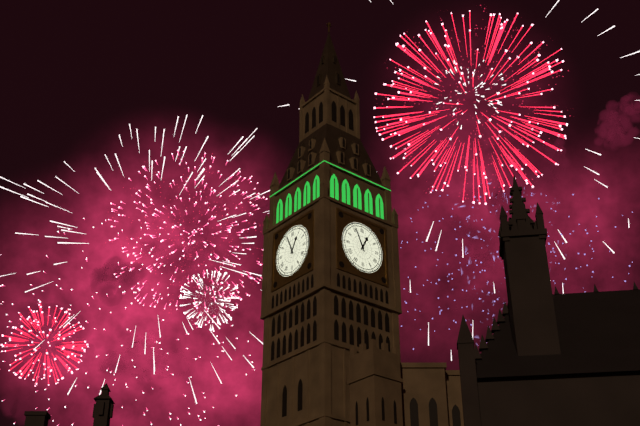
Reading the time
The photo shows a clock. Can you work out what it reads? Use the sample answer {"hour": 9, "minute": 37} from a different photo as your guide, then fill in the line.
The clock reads {"hour": 12, "minute": 56}
